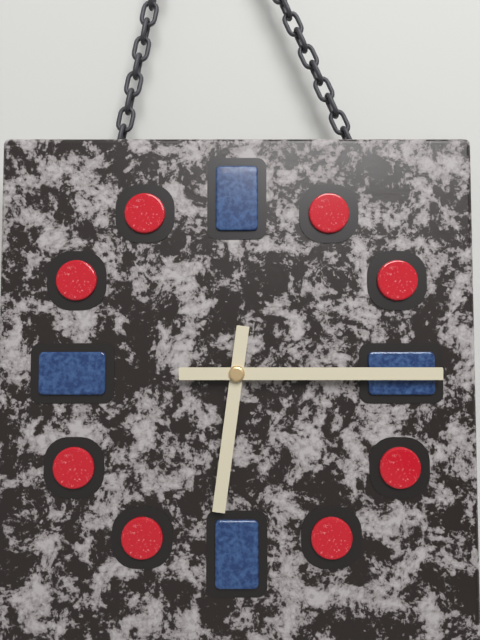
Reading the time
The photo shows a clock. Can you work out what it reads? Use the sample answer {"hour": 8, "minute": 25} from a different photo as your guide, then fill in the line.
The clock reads {"hour": 6, "minute": 15}
